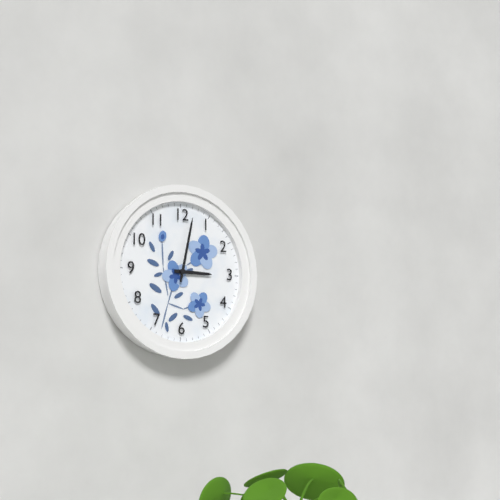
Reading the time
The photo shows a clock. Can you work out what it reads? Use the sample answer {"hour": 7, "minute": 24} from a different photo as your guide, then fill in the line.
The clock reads {"hour": 3, "minute": 2}
